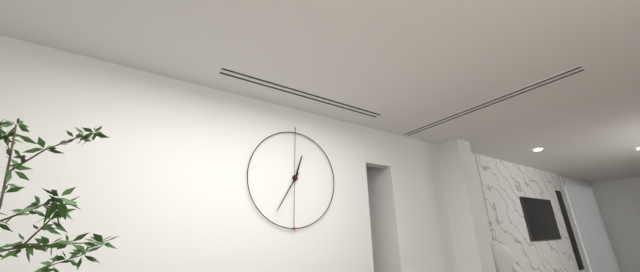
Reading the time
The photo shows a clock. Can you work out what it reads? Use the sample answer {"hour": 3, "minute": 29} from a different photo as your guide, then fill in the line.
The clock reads {"hour": 12, "minute": 35}
